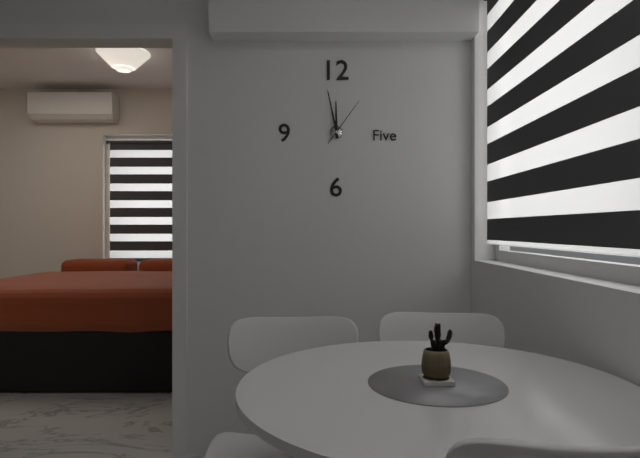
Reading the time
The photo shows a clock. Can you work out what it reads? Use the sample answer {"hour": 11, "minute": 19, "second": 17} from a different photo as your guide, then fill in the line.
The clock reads {"hour": 11, "minute": 58, "second": 6}
